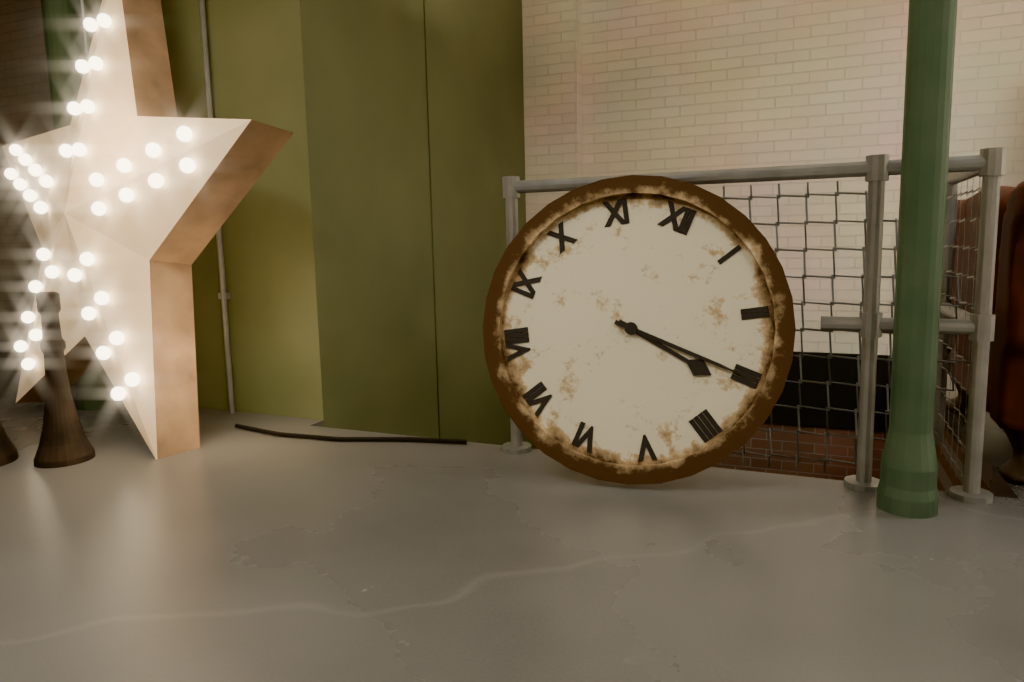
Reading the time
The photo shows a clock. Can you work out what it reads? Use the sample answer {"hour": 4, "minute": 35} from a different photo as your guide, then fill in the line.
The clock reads {"hour": 3, "minute": 15}
